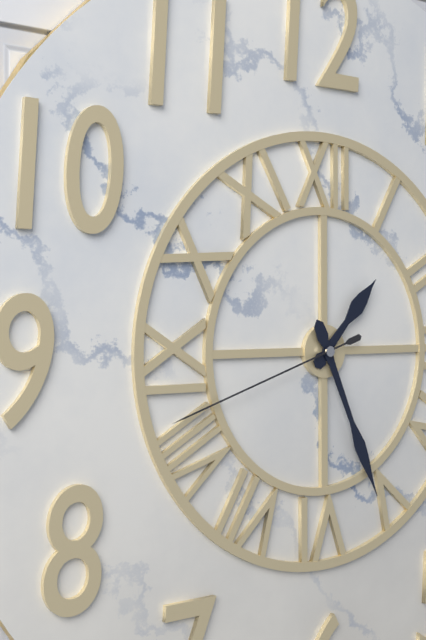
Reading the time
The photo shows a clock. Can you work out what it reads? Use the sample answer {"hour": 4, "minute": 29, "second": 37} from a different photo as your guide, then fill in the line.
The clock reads {"hour": 1, "minute": 26, "second": 42}
